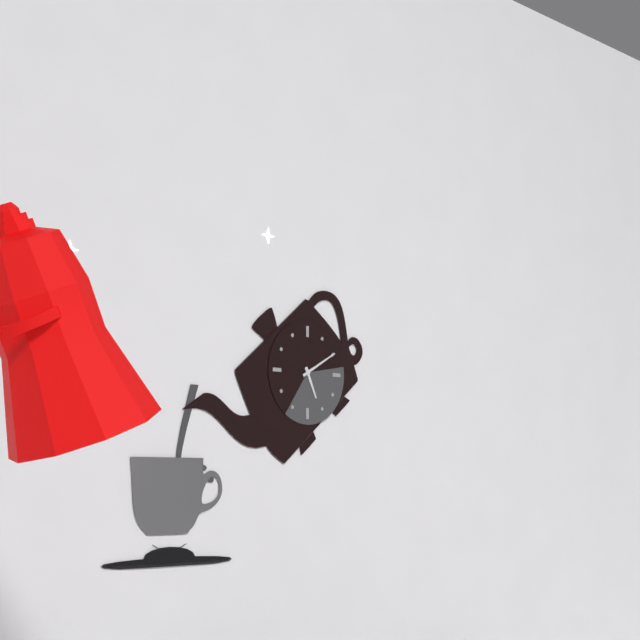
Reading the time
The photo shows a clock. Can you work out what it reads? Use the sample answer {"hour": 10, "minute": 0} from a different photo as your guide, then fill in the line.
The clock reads {"hour": 5, "minute": 10}
